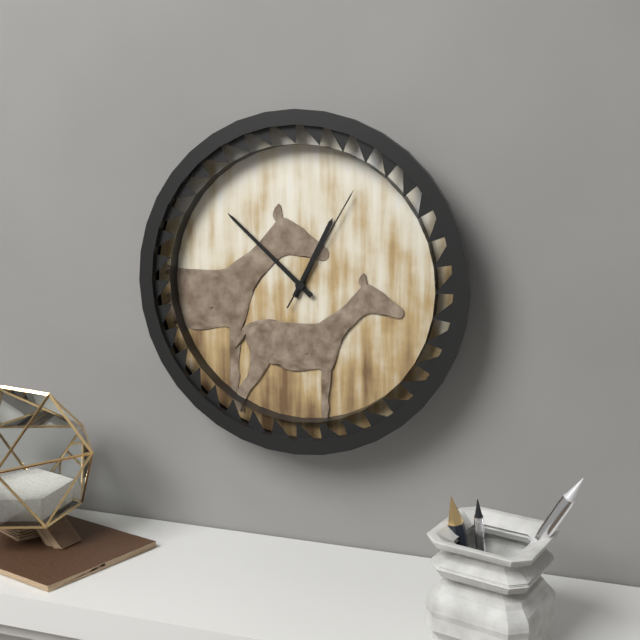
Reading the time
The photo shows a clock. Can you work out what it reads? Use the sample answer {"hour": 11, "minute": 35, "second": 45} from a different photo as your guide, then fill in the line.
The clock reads {"hour": 12, "minute": 52, "second": 5}
